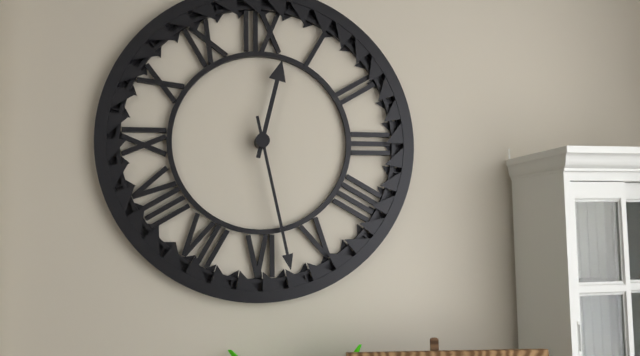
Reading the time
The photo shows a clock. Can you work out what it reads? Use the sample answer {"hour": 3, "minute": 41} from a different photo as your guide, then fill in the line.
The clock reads {"hour": 12, "minute": 28}
